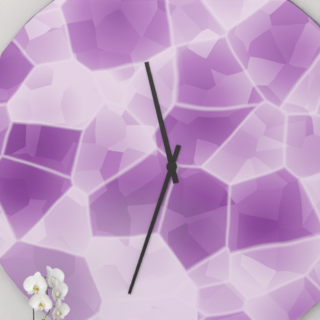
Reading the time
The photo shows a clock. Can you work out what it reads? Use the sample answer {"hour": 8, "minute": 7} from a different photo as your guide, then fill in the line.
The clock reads {"hour": 11, "minute": 33}
